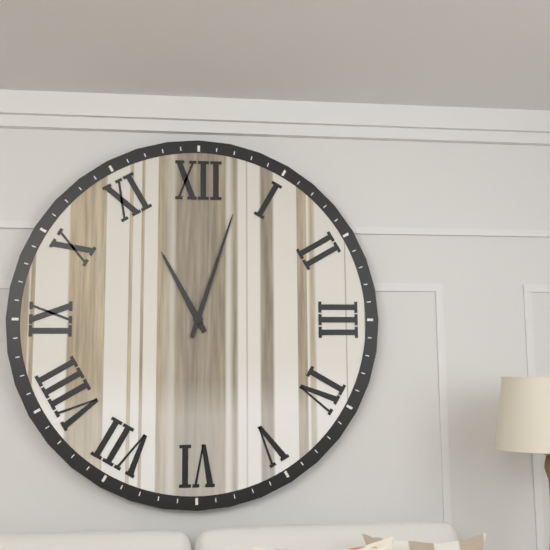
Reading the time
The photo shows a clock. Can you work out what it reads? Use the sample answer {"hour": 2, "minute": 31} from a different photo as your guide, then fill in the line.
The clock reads {"hour": 11, "minute": 3}
